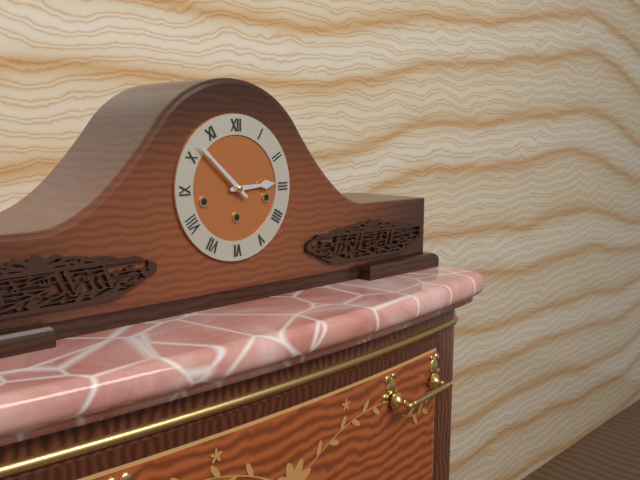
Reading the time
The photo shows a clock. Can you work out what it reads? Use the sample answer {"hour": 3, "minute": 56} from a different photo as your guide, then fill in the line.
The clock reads {"hour": 2, "minute": 52}
